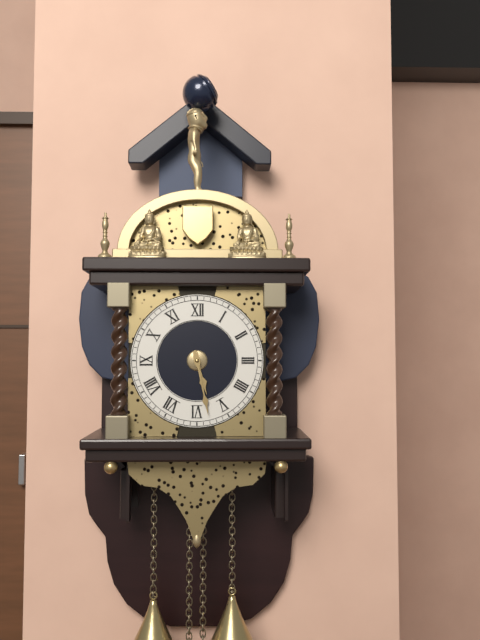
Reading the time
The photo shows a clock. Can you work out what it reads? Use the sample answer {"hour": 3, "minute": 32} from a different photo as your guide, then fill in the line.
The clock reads {"hour": 5, "minute": 28}
